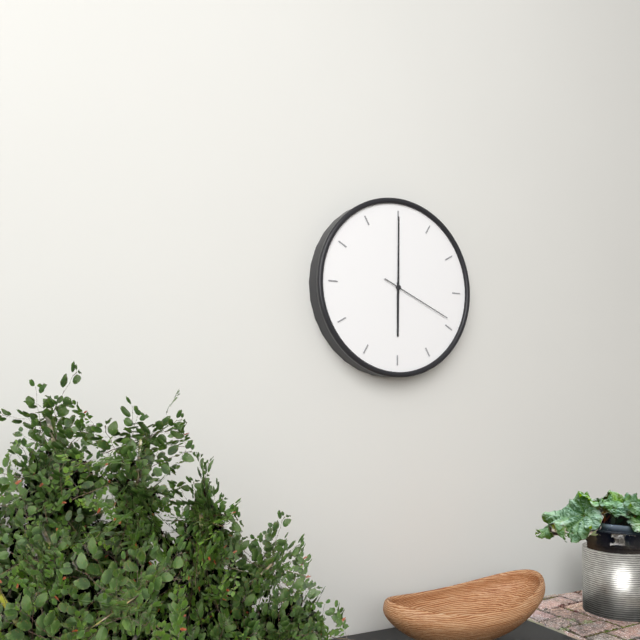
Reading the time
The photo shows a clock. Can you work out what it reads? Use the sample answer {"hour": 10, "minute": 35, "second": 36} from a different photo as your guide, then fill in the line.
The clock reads {"hour": 6, "minute": 0, "second": 19}
